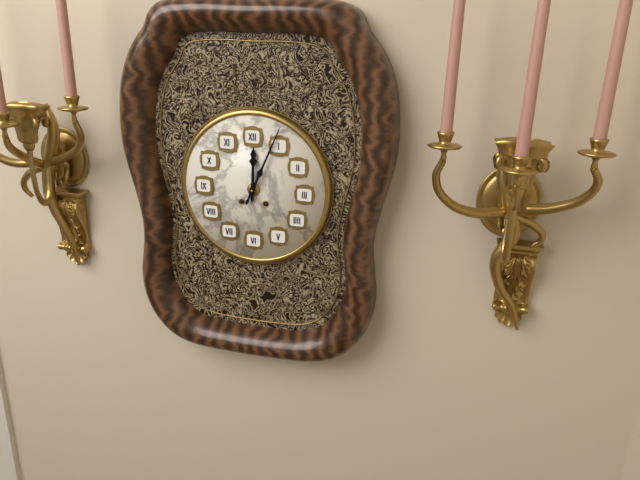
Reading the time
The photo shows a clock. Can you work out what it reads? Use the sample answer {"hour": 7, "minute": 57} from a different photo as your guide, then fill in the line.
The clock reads {"hour": 12, "minute": 4}
